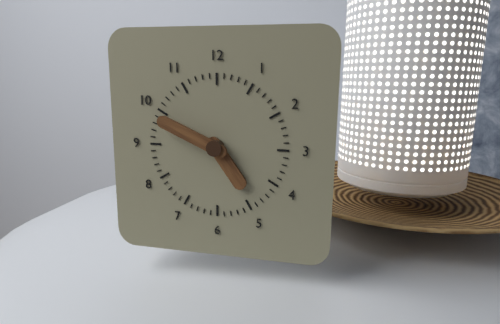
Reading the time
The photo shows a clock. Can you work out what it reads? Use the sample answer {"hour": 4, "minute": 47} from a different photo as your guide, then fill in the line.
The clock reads {"hour": 4, "minute": 49}
